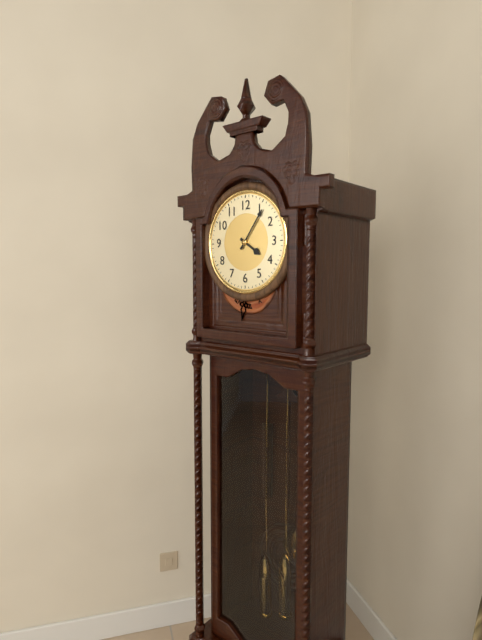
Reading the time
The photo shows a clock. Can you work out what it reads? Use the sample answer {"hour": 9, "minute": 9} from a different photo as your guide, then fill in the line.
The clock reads {"hour": 4, "minute": 6}
